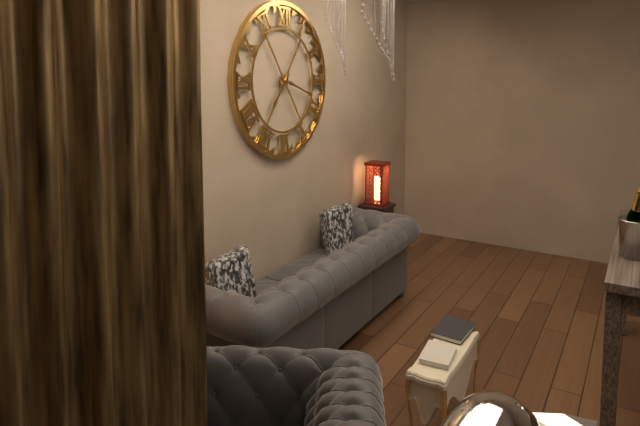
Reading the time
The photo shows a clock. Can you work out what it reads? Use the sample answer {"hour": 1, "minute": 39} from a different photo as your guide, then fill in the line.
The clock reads {"hour": 7, "minute": 18}
